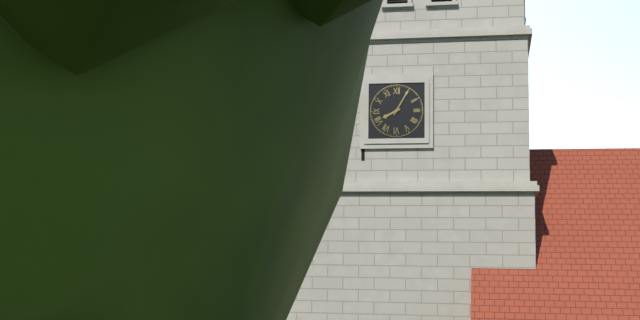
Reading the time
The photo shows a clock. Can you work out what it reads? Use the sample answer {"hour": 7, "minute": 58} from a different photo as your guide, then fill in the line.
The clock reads {"hour": 8, "minute": 5}
